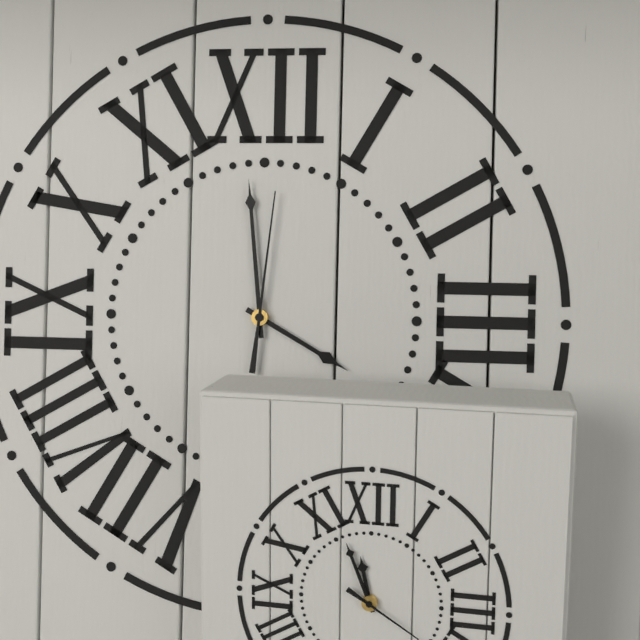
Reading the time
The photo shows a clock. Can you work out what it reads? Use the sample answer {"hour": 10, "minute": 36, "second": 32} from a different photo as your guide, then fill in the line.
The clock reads {"hour": 3, "minute": 59, "second": 1}
